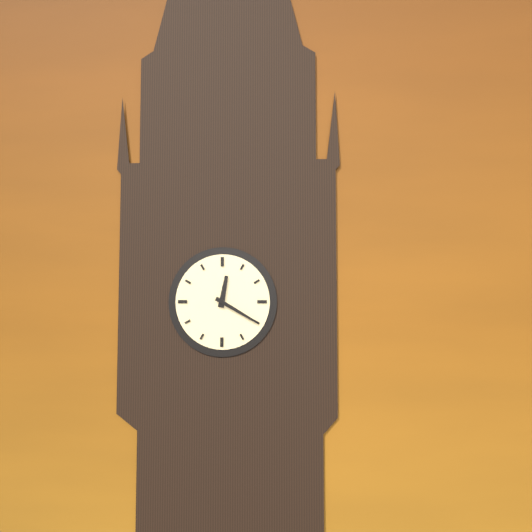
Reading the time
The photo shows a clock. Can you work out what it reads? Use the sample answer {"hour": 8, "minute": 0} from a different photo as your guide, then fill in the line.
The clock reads {"hour": 12, "minute": 20}
